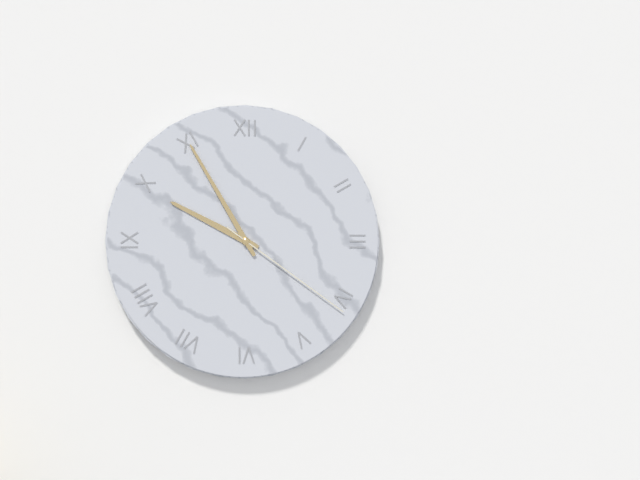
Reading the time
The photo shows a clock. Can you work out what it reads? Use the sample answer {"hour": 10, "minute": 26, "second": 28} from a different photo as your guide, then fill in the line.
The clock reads {"hour": 9, "minute": 55, "second": 21}
